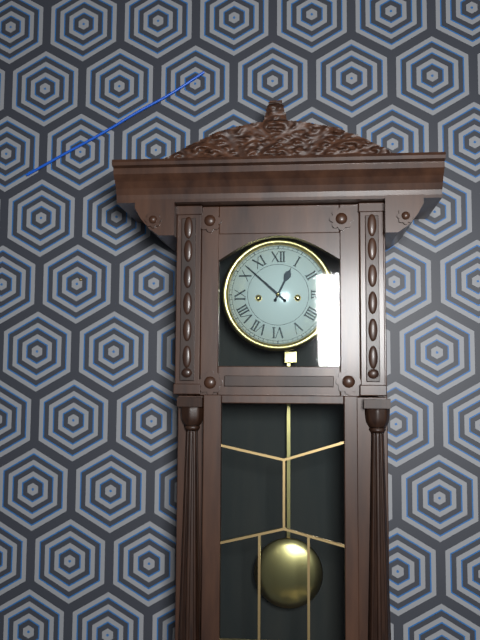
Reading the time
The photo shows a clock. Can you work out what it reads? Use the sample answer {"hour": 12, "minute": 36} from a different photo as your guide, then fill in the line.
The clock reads {"hour": 12, "minute": 52}
